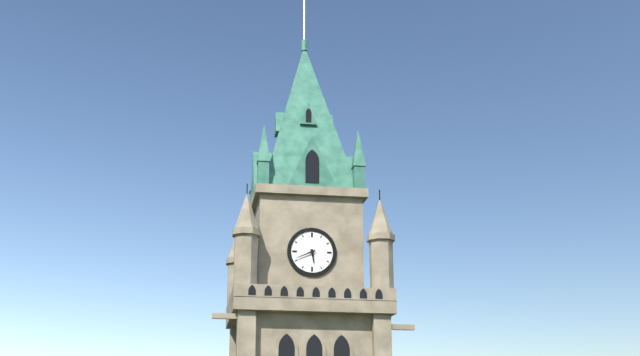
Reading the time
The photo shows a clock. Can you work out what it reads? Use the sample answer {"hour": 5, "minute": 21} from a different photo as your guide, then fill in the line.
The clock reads {"hour": 5, "minute": 41}
